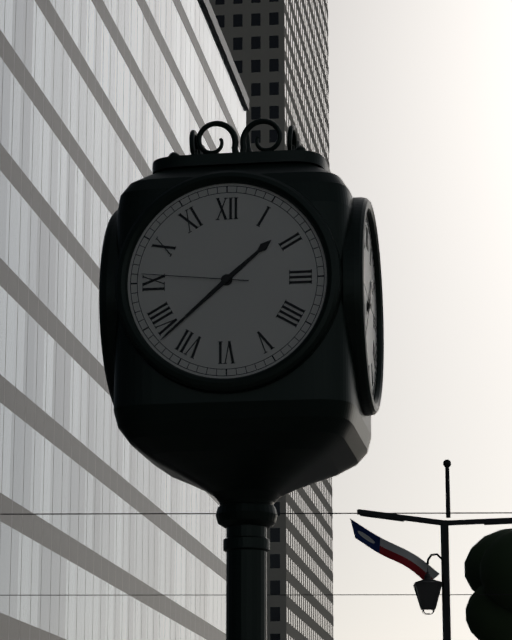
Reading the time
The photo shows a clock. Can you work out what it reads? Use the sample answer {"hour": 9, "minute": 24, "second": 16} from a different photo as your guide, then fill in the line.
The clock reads {"hour": 1, "minute": 38, "second": 46}
